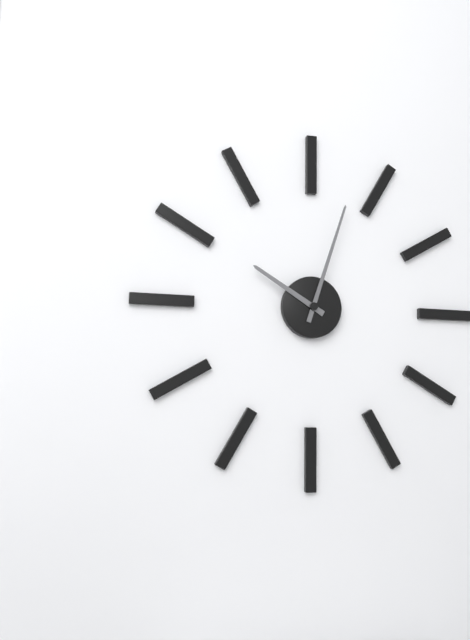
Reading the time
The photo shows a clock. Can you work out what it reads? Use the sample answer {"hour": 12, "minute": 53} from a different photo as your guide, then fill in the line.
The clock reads {"hour": 10, "minute": 3}
